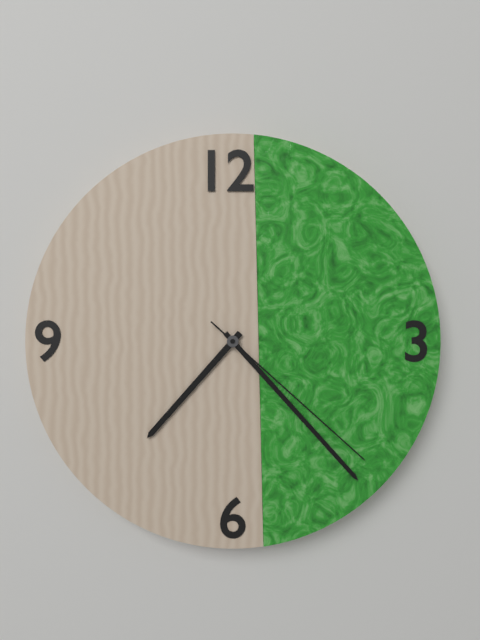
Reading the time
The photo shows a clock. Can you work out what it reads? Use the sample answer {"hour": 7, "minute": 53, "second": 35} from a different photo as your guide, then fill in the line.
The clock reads {"hour": 7, "minute": 23, "second": 22}
